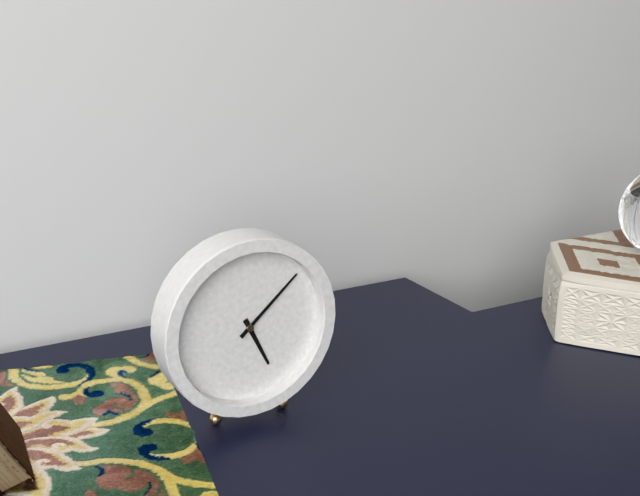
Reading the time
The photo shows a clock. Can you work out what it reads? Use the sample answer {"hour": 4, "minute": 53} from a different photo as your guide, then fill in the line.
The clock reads {"hour": 5, "minute": 8}
